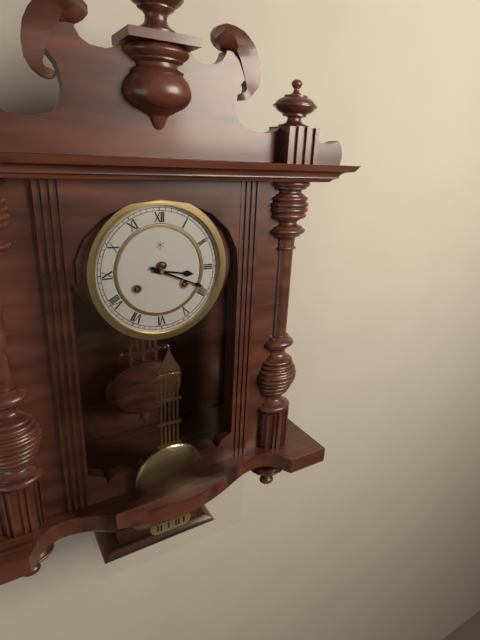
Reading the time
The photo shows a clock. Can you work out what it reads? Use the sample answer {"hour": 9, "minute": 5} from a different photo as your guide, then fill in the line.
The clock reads {"hour": 3, "minute": 19}
